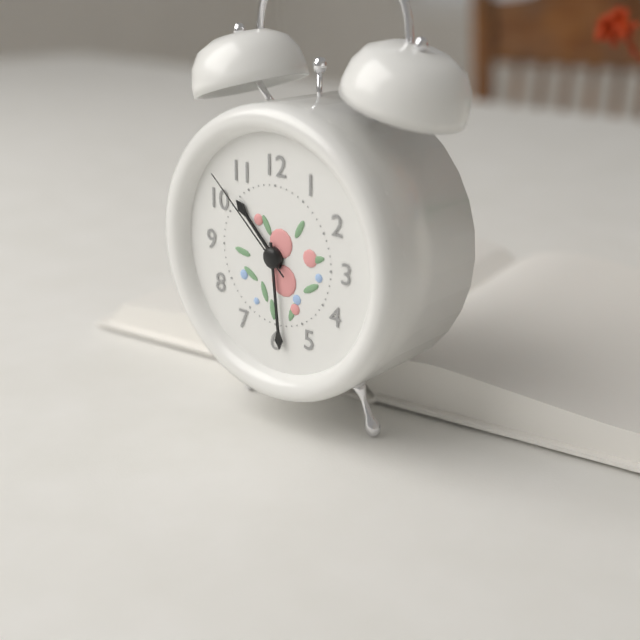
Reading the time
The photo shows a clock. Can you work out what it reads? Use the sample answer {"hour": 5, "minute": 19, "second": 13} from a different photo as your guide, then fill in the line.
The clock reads {"hour": 10, "minute": 29, "second": 52}
